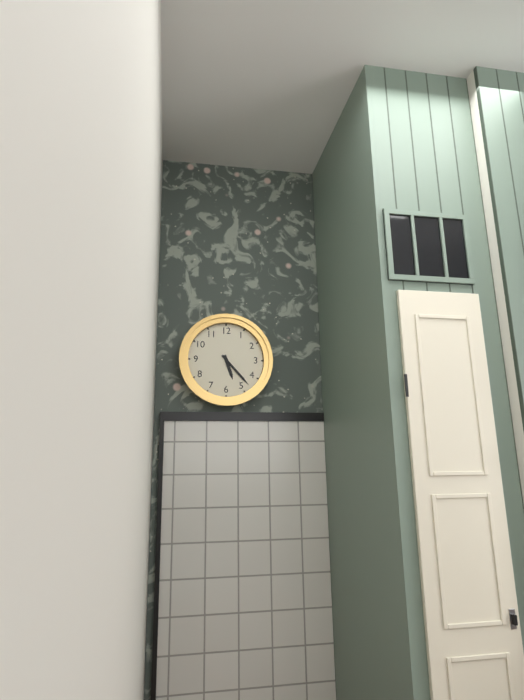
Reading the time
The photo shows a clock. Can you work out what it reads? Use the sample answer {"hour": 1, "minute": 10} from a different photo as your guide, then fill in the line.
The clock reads {"hour": 5, "minute": 23}
